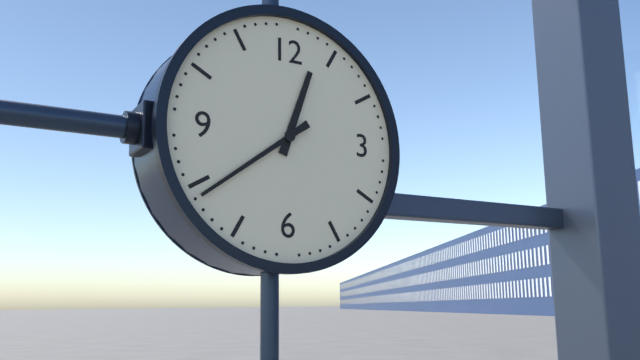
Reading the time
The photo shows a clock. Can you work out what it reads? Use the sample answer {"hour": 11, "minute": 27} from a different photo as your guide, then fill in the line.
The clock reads {"hour": 12, "minute": 39}
